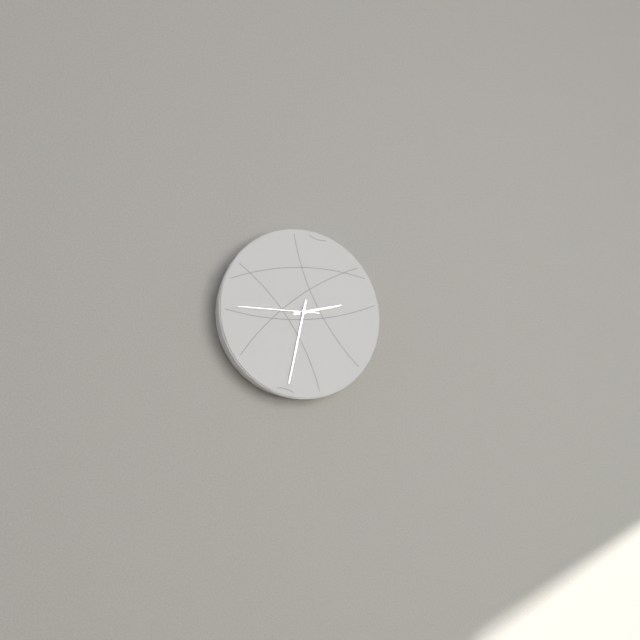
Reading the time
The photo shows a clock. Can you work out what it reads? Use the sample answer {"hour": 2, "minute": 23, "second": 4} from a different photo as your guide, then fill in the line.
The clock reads {"hour": 2, "minute": 32, "second": 45}
